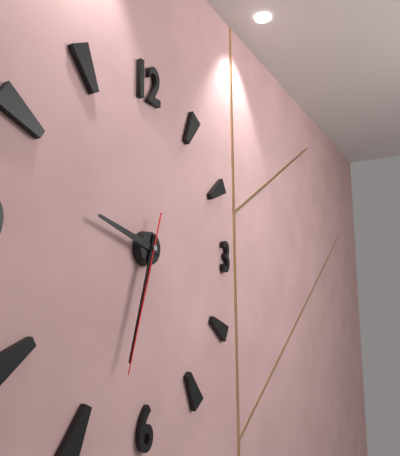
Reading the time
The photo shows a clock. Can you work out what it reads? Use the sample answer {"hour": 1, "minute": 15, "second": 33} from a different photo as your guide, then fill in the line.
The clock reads {"hour": 9, "minute": 33, "second": 33}
